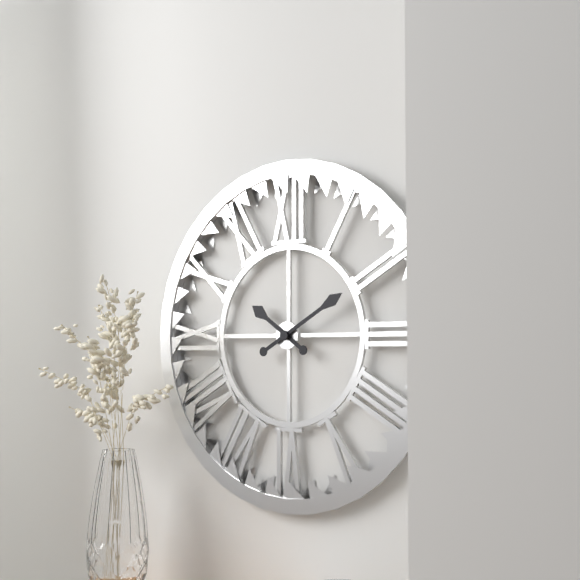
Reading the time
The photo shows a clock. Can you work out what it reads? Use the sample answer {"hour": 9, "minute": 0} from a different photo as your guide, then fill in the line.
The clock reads {"hour": 10, "minute": 10}
